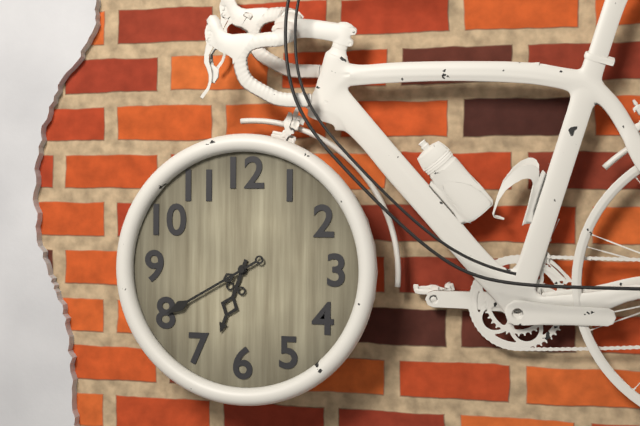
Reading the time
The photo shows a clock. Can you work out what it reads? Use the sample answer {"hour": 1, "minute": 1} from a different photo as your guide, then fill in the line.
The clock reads {"hour": 6, "minute": 40}
